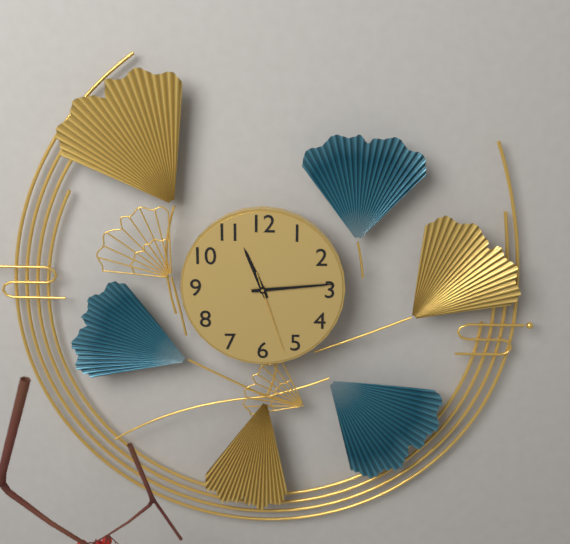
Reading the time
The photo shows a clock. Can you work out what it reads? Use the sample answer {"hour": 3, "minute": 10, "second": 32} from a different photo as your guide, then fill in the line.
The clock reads {"hour": 11, "minute": 14, "second": 27}
